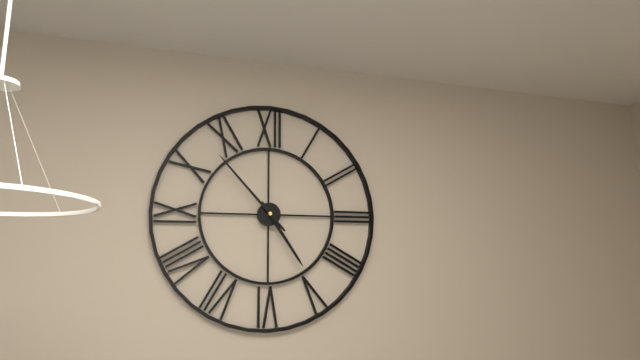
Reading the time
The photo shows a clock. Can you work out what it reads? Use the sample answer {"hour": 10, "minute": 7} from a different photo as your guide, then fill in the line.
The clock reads {"hour": 4, "minute": 53}
